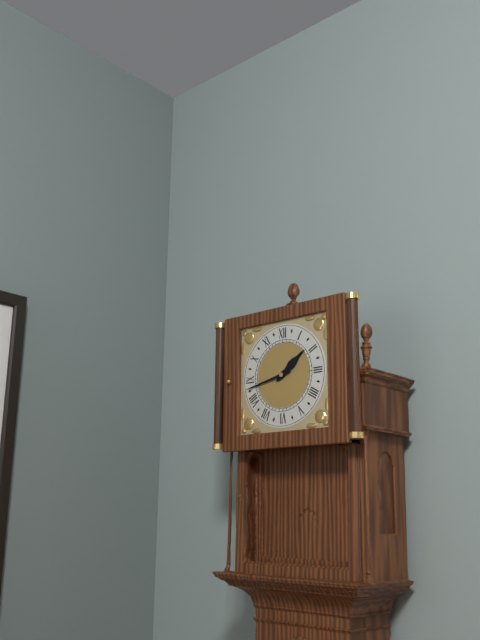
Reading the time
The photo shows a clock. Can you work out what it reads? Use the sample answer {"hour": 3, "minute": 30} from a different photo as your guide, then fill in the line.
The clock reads {"hour": 1, "minute": 43}
